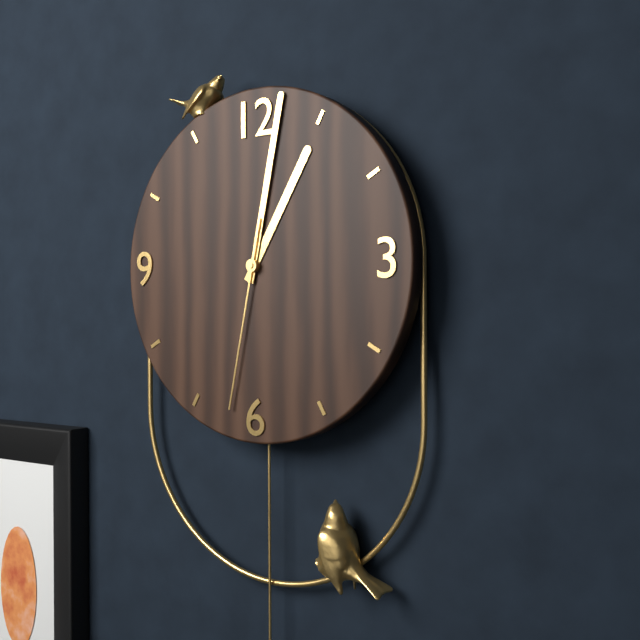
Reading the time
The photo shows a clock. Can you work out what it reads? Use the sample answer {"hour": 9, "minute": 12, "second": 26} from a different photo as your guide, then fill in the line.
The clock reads {"hour": 1, "minute": 2, "second": 32}
